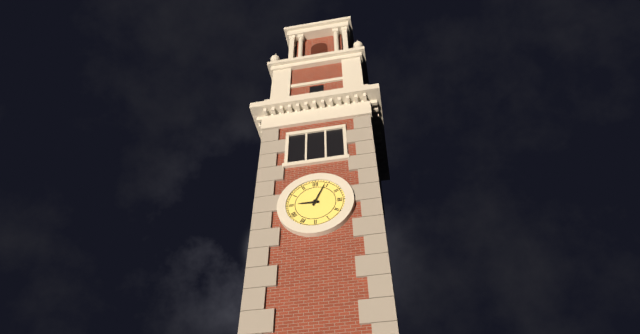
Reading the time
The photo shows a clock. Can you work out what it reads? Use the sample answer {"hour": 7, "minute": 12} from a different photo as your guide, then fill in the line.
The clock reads {"hour": 9, "minute": 4}
